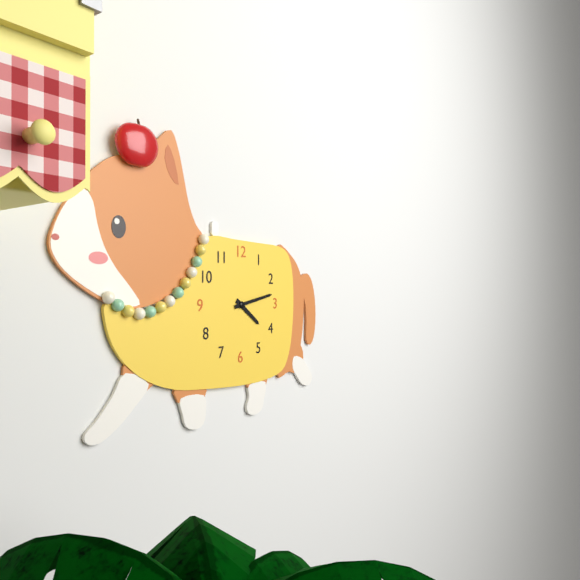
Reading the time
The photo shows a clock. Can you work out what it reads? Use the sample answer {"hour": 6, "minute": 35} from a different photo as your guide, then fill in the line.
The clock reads {"hour": 4, "minute": 13}
